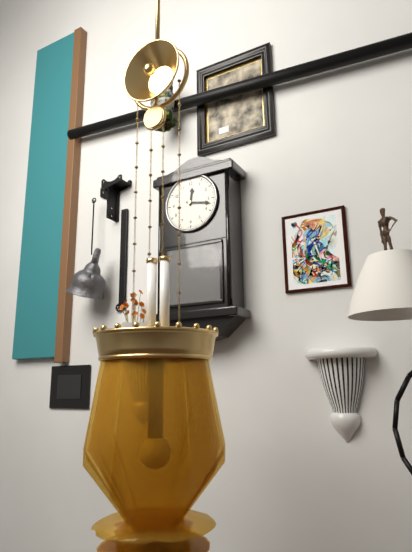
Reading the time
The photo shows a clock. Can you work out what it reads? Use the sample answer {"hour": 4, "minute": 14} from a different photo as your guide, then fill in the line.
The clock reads {"hour": 12, "minute": 17}
